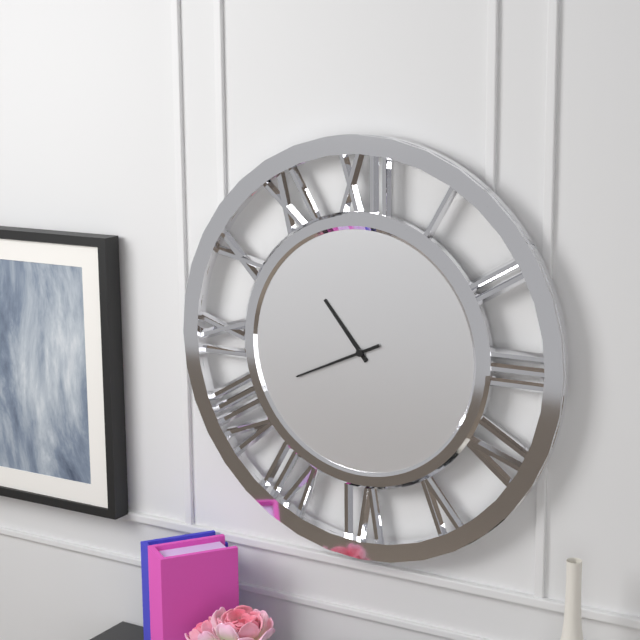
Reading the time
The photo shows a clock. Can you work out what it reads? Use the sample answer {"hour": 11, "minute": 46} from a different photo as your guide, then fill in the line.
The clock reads {"hour": 10, "minute": 41}
